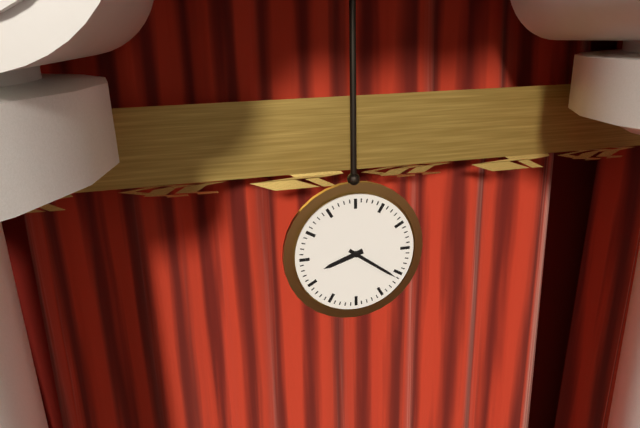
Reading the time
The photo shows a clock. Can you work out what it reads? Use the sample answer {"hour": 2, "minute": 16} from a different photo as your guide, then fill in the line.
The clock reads {"hour": 8, "minute": 21}
